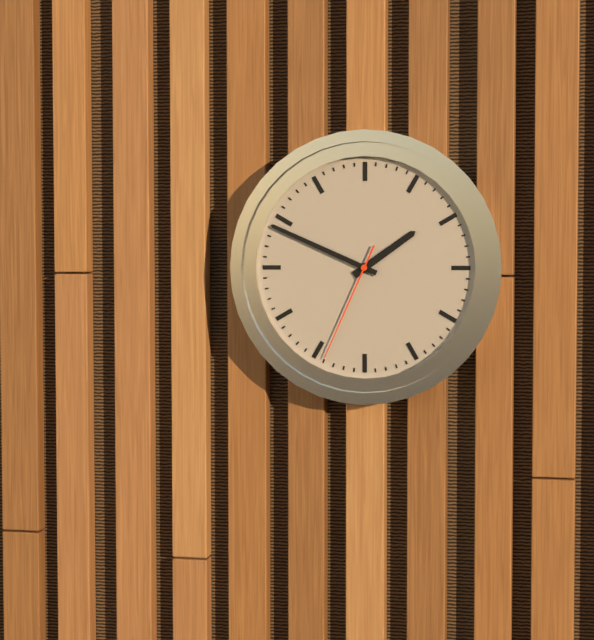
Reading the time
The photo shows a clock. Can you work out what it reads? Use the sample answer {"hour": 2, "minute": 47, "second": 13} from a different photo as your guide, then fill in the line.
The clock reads {"hour": 1, "minute": 49, "second": 34}
